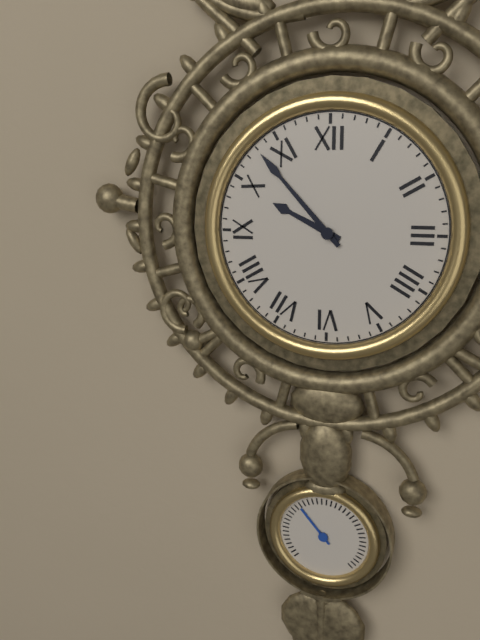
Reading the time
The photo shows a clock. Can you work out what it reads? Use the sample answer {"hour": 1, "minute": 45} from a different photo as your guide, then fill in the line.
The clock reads {"hour": 9, "minute": 53}
